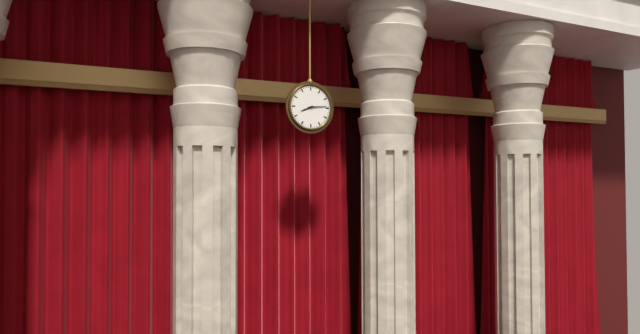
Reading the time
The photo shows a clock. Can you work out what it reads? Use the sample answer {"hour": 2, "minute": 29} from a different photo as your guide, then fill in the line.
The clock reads {"hour": 8, "minute": 14}
